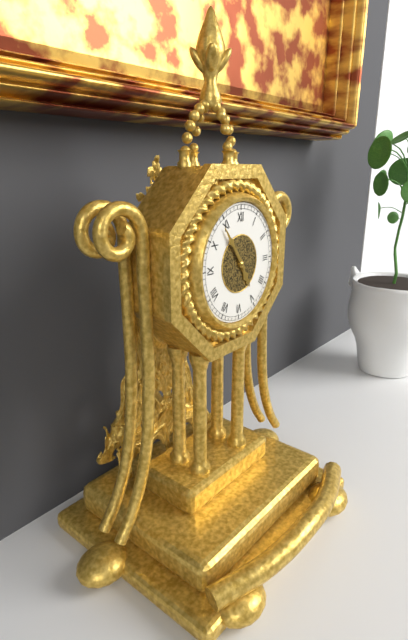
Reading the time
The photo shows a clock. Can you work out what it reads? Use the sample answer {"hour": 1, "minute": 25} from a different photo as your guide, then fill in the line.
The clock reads {"hour": 4, "minute": 54}
